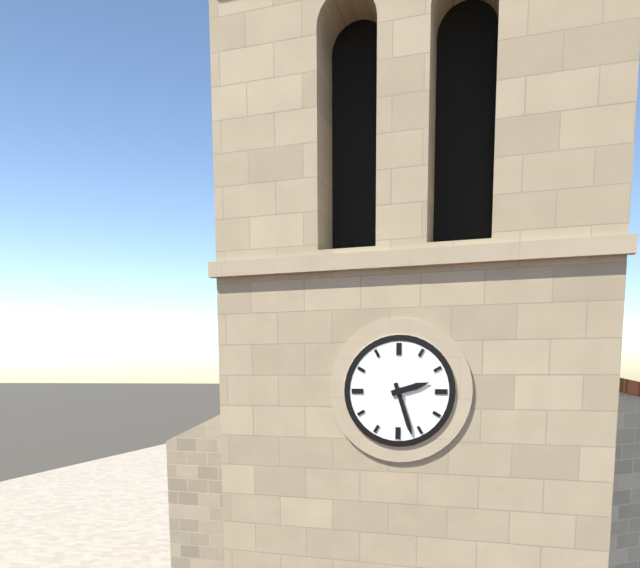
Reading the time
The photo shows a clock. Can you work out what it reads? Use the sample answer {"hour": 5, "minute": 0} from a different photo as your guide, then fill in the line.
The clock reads {"hour": 2, "minute": 27}
